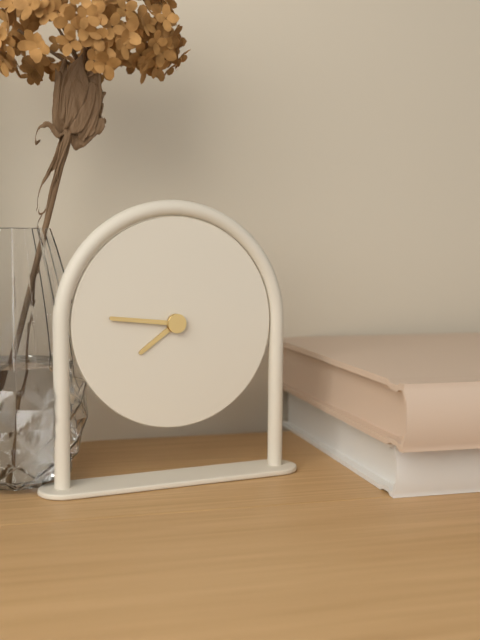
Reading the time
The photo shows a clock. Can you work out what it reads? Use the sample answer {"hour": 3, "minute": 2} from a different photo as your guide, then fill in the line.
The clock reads {"hour": 7, "minute": 46}
